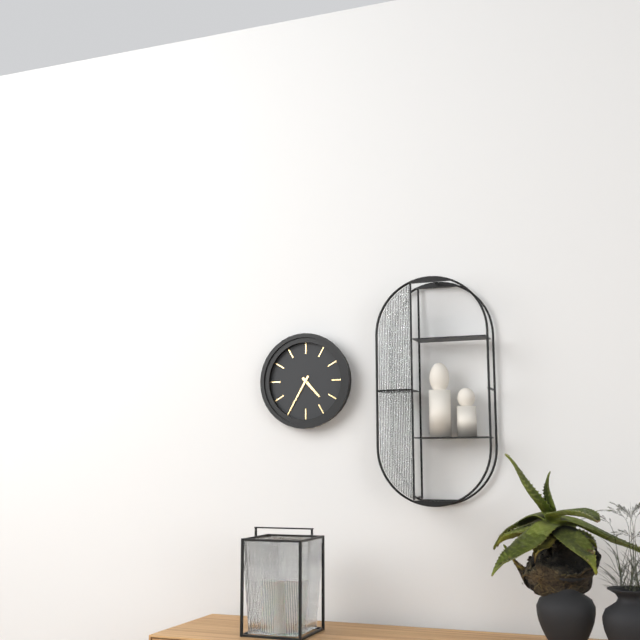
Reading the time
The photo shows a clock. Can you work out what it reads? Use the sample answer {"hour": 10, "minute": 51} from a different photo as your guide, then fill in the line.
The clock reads {"hour": 4, "minute": 35}
